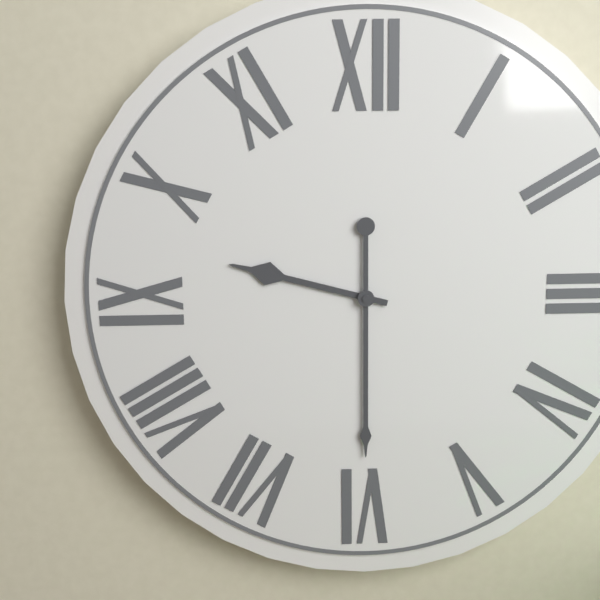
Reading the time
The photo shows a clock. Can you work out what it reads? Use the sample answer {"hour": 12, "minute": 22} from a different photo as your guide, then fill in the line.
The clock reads {"hour": 9, "minute": 30}
